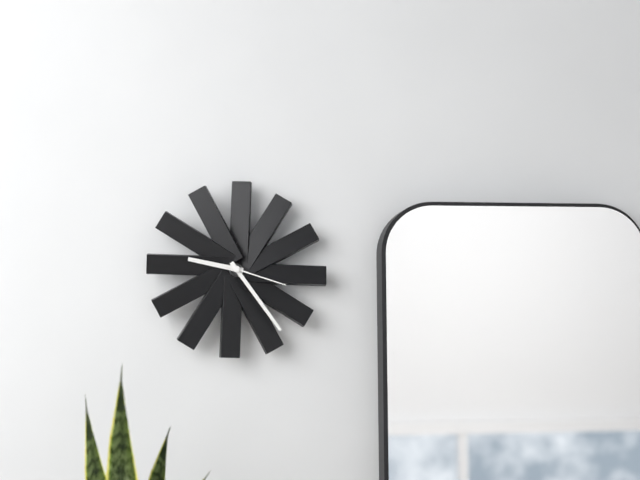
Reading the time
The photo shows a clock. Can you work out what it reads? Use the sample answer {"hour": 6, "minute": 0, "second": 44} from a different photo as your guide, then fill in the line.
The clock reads {"hour": 9, "minute": 24, "second": 18}
